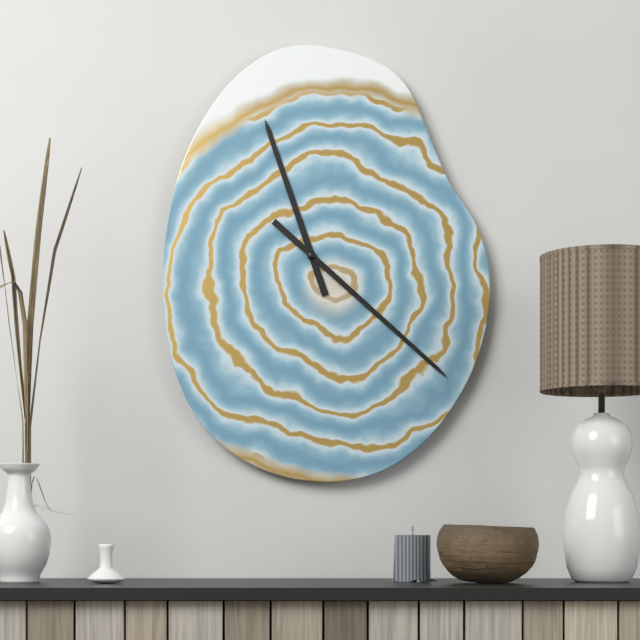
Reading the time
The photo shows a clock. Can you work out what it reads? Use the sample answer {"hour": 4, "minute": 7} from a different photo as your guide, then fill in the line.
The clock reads {"hour": 11, "minute": 22}
